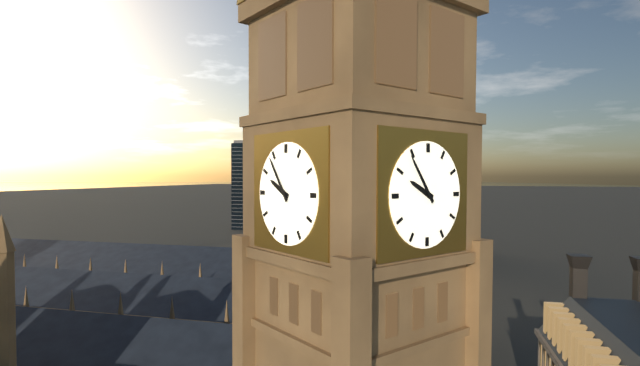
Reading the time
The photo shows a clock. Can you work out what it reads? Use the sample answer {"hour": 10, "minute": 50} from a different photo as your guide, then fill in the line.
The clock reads {"hour": 9, "minute": 54}
